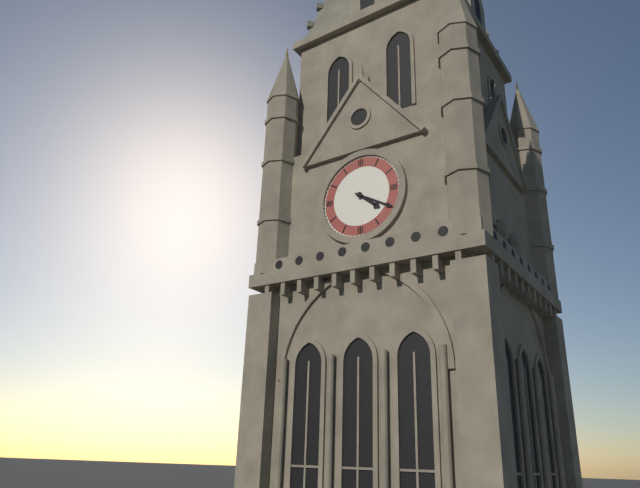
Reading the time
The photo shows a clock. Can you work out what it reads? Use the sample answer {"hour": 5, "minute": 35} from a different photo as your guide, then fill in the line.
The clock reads {"hour": 4, "minute": 20}
